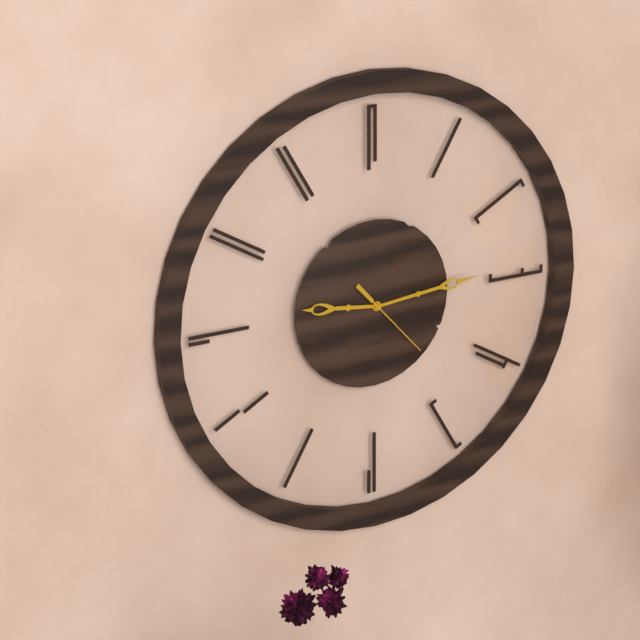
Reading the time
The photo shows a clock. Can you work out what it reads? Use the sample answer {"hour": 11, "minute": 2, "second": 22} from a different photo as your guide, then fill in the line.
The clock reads {"hour": 9, "minute": 14, "second": 23}
